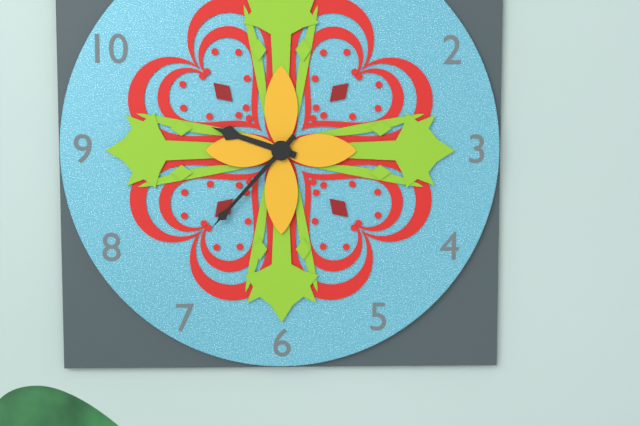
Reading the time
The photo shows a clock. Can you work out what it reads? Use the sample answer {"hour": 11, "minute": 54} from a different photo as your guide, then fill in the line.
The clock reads {"hour": 9, "minute": 37}
